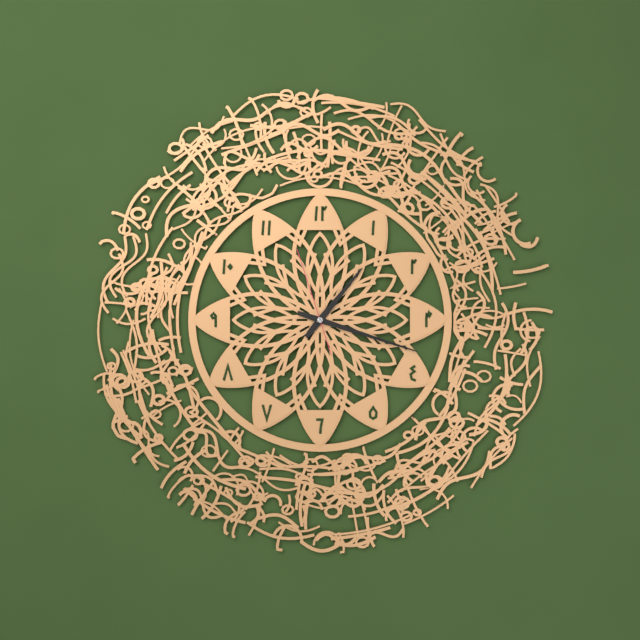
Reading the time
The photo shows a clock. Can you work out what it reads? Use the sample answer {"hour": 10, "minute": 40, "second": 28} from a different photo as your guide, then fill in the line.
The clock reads {"hour": 1, "minute": 18, "second": 57}
